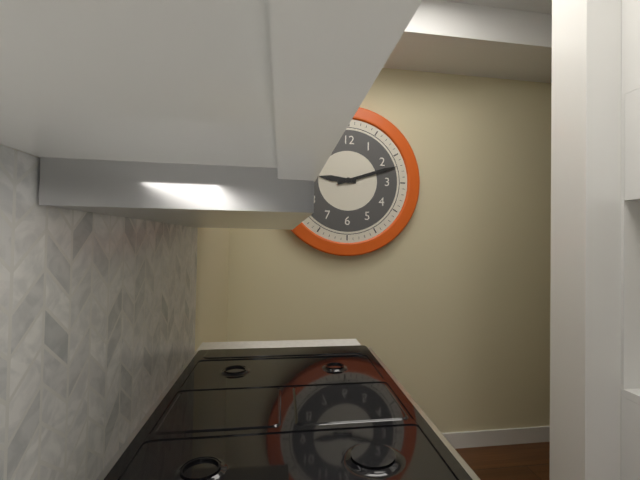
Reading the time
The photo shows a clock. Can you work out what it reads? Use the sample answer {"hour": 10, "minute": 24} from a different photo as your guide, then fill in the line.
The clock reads {"hour": 9, "minute": 12}
